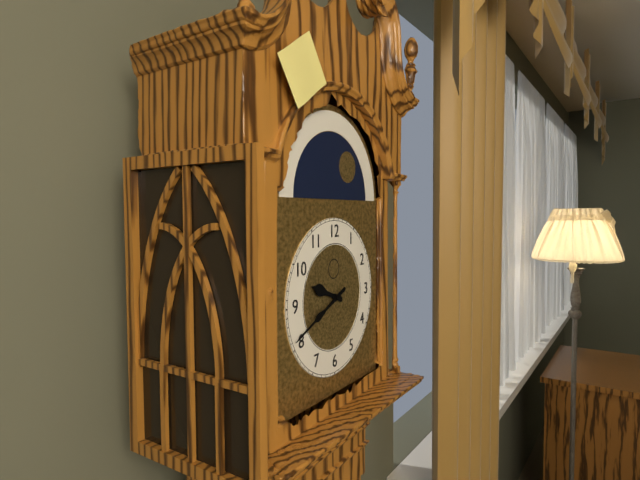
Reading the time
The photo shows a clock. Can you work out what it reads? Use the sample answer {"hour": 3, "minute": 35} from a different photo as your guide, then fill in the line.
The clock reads {"hour": 9, "minute": 41}
